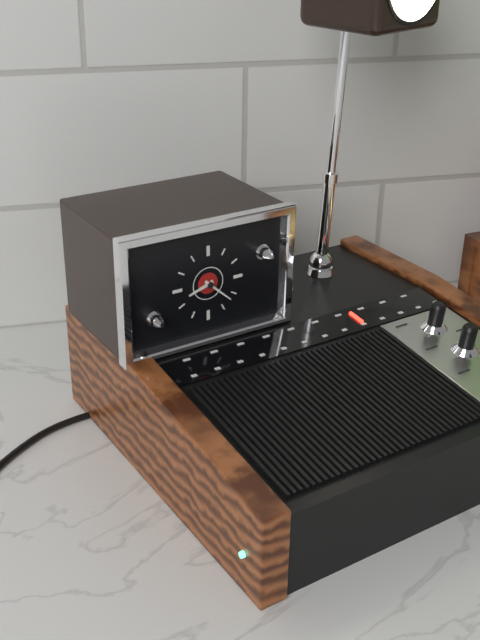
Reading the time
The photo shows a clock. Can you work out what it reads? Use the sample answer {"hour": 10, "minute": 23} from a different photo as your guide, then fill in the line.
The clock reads {"hour": 8, "minute": 22}
